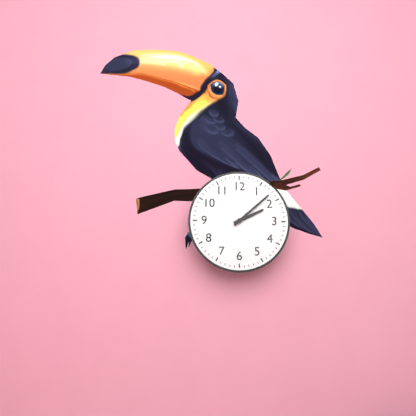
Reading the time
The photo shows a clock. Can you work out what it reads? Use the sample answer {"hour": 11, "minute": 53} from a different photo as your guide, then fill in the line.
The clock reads {"hour": 2, "minute": 8}
